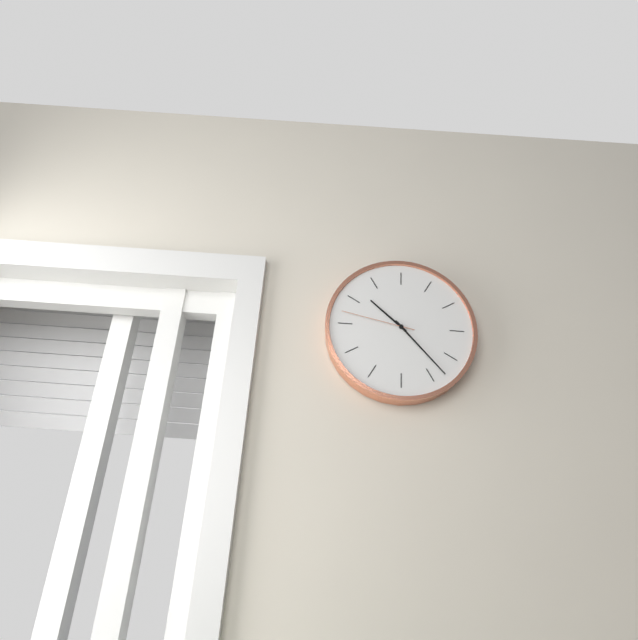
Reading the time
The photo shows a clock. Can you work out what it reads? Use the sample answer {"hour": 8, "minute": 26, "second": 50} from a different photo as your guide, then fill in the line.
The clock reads {"hour": 10, "minute": 23, "second": 47}
